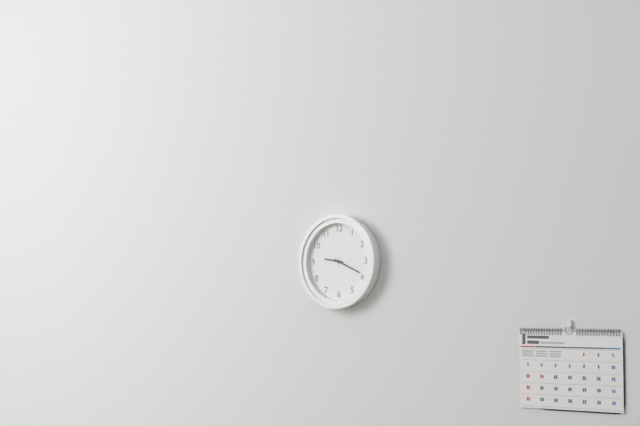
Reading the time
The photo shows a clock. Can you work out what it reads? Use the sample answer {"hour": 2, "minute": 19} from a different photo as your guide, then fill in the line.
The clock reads {"hour": 9, "minute": 19}
